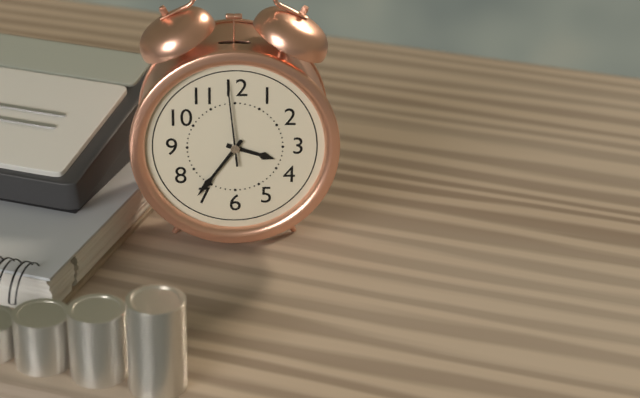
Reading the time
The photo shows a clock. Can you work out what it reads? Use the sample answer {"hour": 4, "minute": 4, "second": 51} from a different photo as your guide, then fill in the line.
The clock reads {"hour": 3, "minute": 36, "second": 59}
